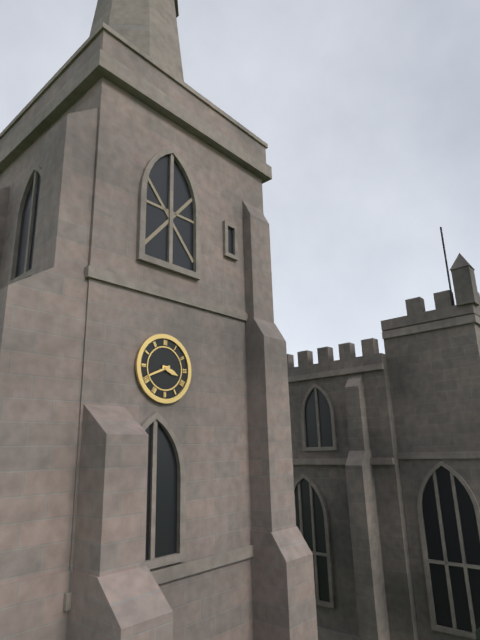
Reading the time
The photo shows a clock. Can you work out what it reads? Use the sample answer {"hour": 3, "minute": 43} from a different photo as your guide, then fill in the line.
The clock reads {"hour": 3, "minute": 41}
